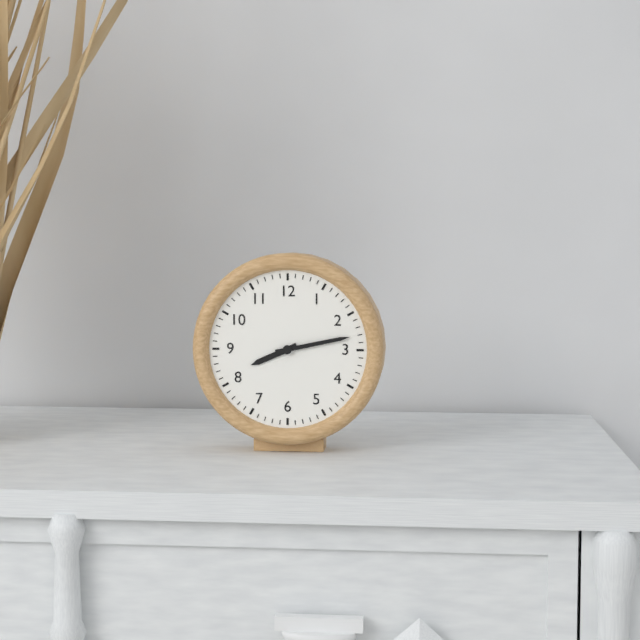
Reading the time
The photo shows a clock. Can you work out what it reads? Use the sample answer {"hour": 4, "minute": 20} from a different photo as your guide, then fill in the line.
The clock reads {"hour": 8, "minute": 13}
